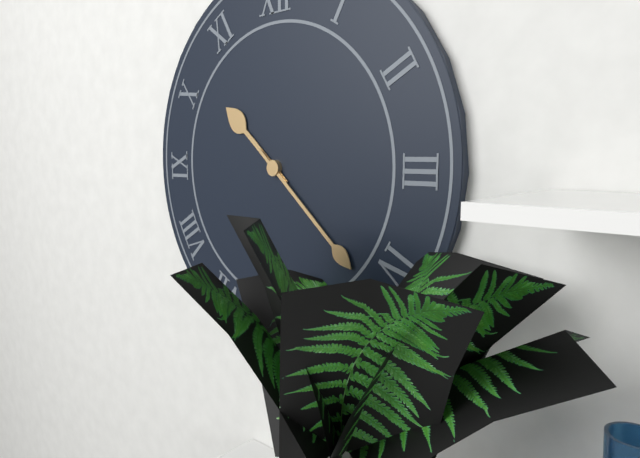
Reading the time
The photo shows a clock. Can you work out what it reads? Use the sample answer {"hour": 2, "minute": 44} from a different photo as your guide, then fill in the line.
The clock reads {"hour": 10, "minute": 22}
